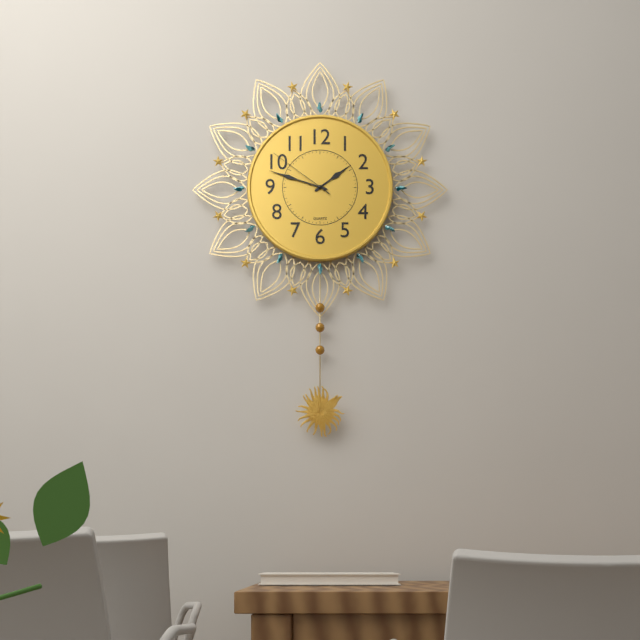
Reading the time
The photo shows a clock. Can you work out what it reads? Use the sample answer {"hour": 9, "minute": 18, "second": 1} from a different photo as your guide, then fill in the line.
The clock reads {"hour": 1, "minute": 48, "second": 51}
